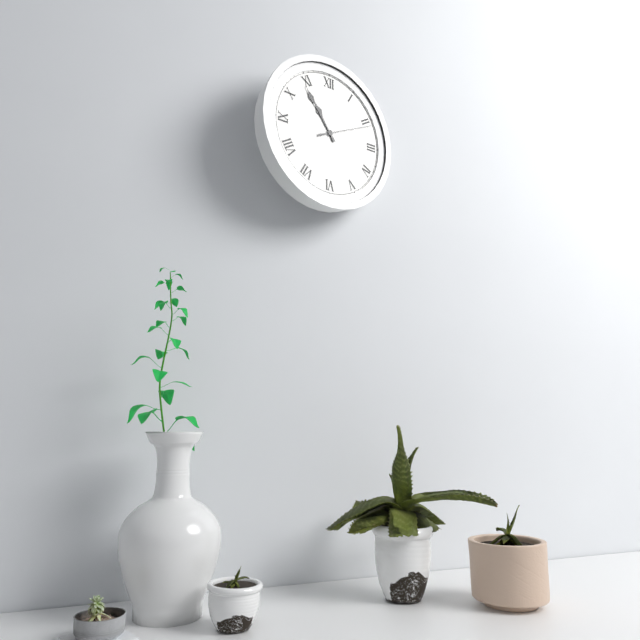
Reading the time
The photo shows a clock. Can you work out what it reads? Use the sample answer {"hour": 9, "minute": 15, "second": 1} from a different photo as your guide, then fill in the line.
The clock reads {"hour": 10, "minute": 54, "second": 11}
